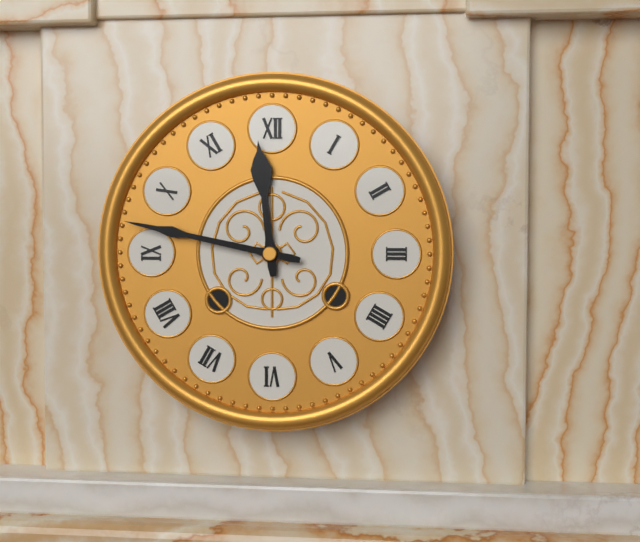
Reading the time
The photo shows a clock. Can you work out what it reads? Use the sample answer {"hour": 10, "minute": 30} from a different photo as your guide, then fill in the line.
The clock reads {"hour": 11, "minute": 47}
